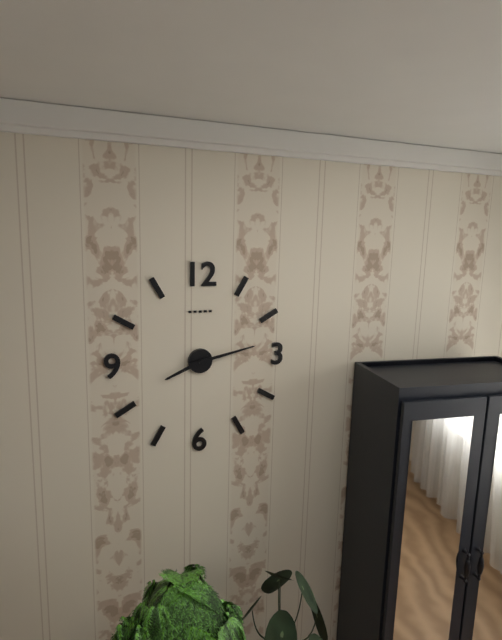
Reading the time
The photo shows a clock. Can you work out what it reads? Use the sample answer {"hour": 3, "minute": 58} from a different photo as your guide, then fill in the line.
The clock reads {"hour": 8, "minute": 13}
